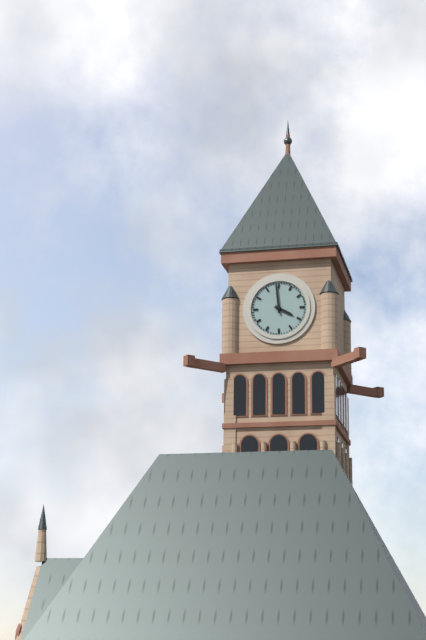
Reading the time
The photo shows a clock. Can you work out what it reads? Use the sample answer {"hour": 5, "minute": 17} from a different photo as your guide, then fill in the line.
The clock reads {"hour": 3, "minute": 59}
